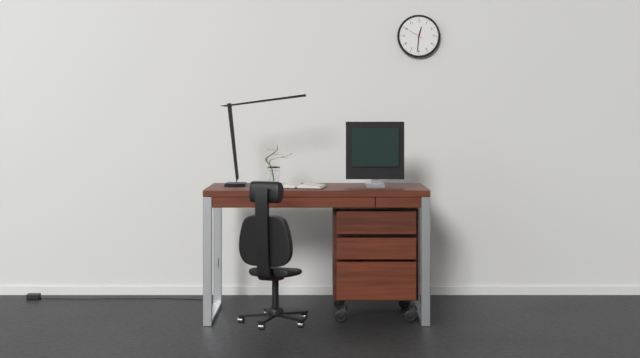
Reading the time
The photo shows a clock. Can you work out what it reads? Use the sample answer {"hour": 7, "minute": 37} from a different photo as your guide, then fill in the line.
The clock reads {"hour": 12, "minute": 31}
